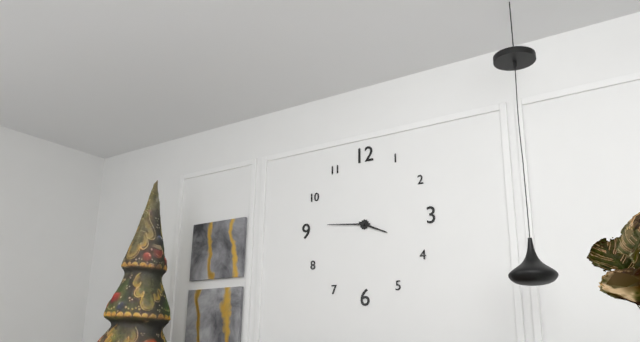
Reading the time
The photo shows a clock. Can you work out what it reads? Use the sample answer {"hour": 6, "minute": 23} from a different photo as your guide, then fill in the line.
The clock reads {"hour": 3, "minute": 46}
